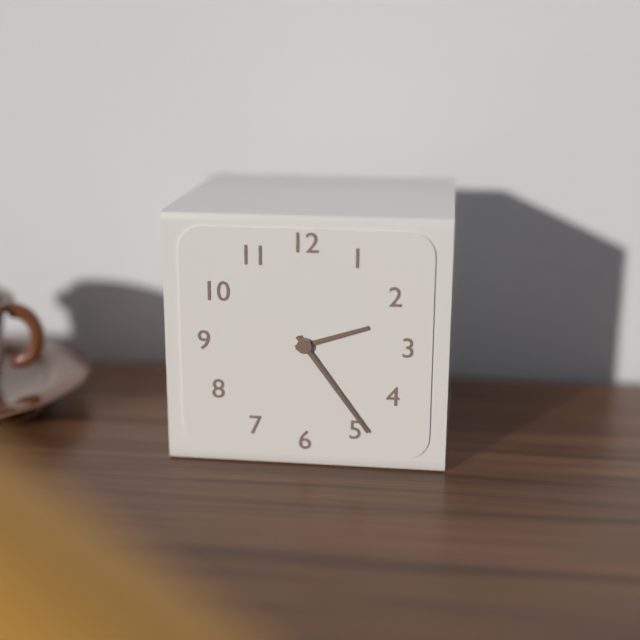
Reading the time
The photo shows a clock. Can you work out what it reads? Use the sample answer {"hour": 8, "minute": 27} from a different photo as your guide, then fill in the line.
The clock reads {"hour": 2, "minute": 24}
